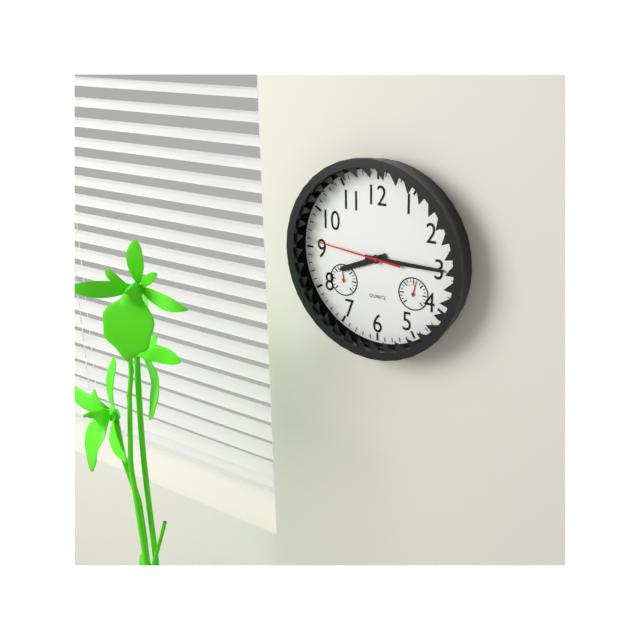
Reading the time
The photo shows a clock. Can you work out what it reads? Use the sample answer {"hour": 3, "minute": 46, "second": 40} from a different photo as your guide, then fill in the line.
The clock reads {"hour": 8, "minute": 15, "second": 46}
